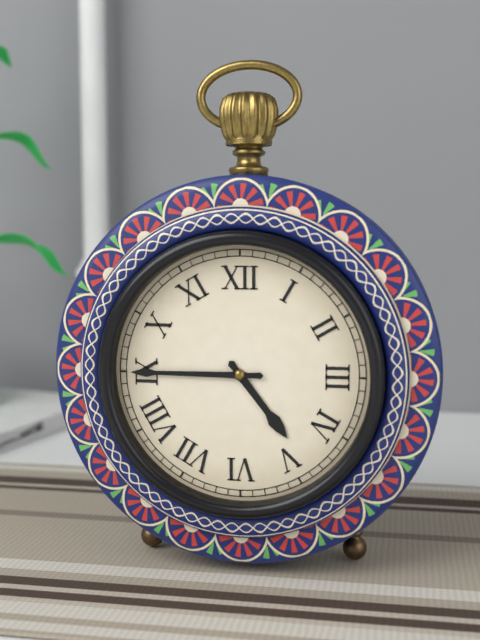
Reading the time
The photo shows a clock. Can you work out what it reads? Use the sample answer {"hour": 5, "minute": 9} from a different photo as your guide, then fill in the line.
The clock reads {"hour": 4, "minute": 45}
